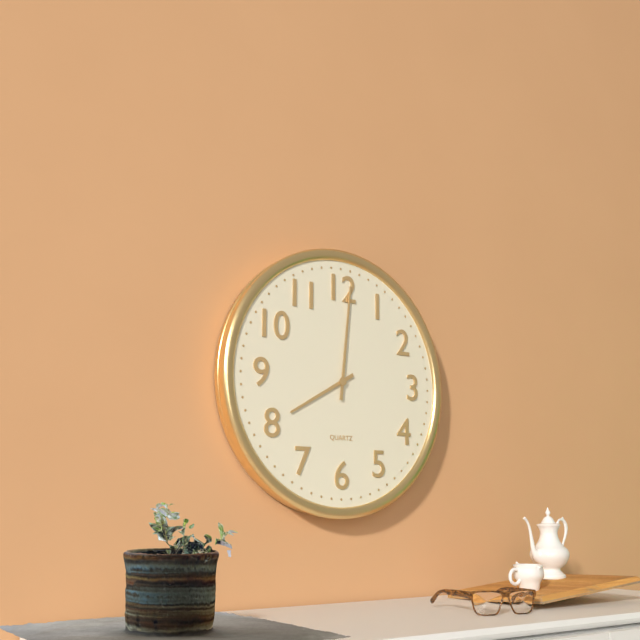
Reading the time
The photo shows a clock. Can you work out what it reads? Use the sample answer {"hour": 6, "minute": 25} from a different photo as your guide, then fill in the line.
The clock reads {"hour": 8, "minute": 1}
